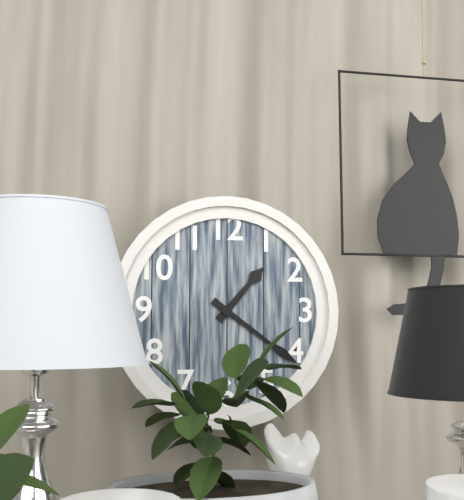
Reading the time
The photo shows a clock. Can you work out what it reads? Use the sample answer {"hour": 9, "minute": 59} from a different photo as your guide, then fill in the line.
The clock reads {"hour": 1, "minute": 21}
